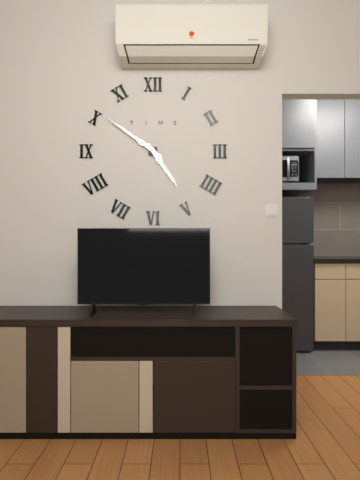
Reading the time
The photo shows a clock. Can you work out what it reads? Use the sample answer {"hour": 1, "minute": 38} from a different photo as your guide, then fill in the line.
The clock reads {"hour": 4, "minute": 51}
